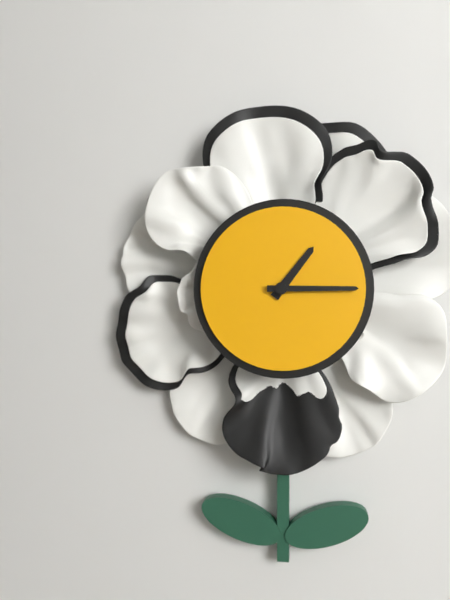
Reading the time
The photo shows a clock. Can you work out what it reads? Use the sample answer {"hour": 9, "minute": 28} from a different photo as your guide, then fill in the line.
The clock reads {"hour": 1, "minute": 15}
